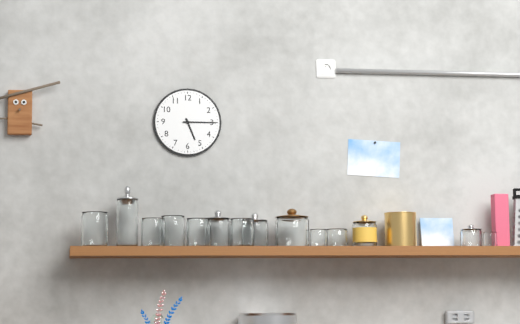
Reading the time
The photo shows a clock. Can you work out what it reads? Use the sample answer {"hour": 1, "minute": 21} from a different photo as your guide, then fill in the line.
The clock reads {"hour": 5, "minute": 15}
